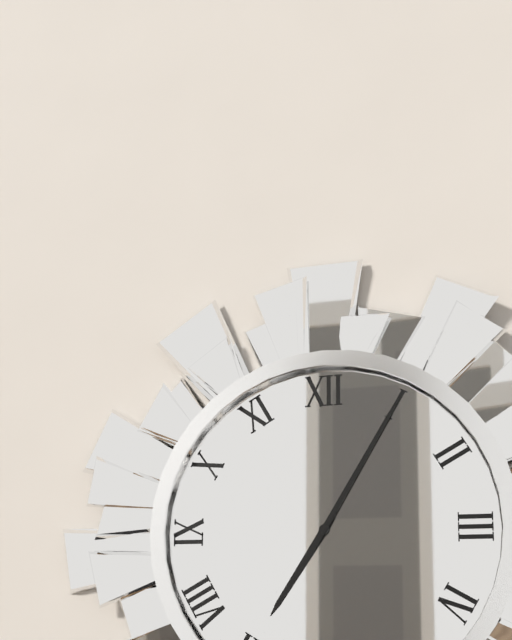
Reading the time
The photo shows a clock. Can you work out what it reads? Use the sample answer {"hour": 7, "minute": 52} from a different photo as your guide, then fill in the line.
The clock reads {"hour": 7, "minute": 5}
